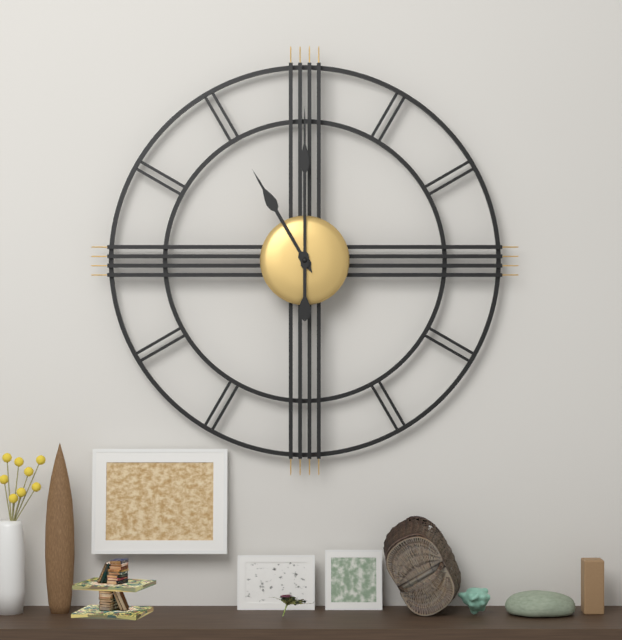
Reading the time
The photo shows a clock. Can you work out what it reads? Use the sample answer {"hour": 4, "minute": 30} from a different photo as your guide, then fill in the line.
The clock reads {"hour": 11, "minute": 0}
